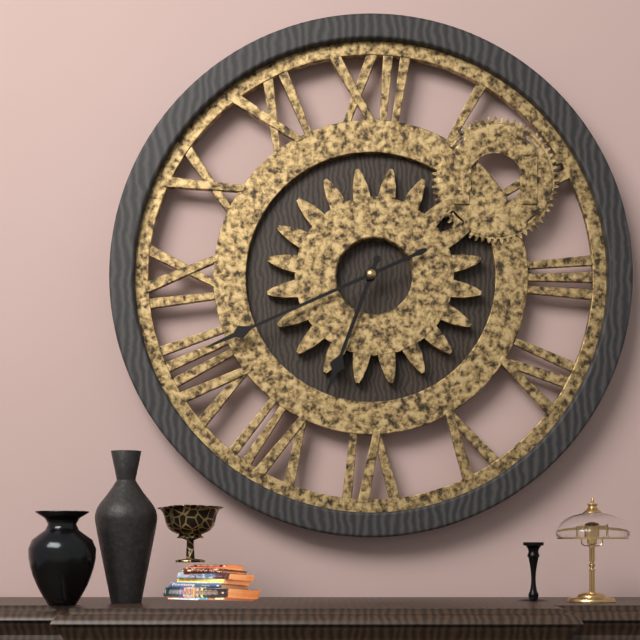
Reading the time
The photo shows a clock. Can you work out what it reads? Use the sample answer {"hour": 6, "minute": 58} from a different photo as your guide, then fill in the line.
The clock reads {"hour": 6, "minute": 41}
